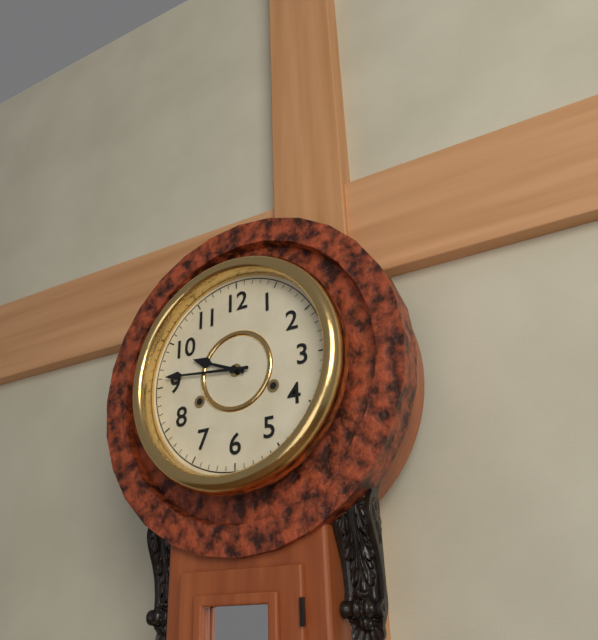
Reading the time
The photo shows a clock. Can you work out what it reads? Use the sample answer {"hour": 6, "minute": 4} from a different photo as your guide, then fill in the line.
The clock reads {"hour": 9, "minute": 46}
